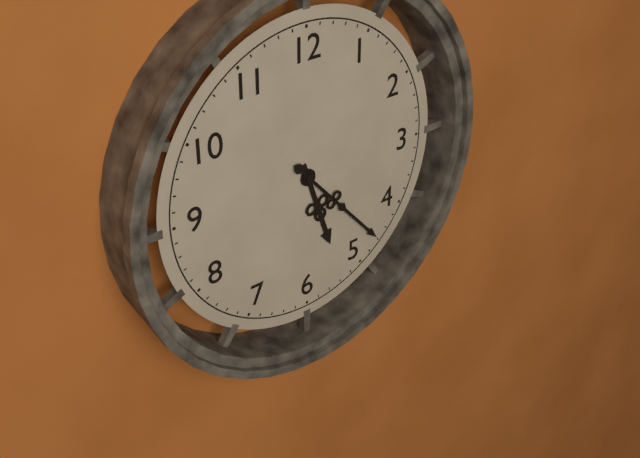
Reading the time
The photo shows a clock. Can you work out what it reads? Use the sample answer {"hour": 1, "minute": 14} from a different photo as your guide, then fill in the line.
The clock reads {"hour": 5, "minute": 23}
